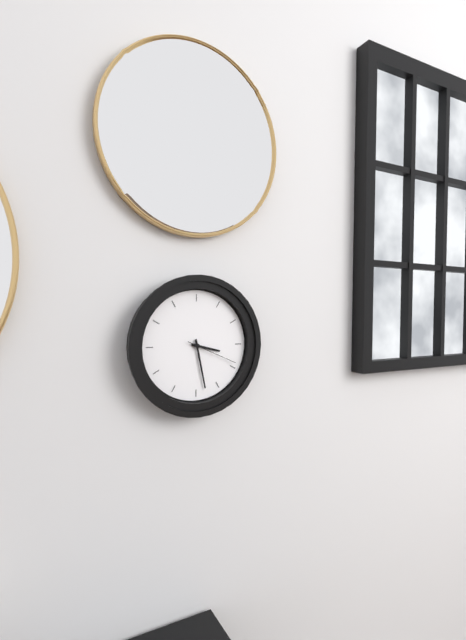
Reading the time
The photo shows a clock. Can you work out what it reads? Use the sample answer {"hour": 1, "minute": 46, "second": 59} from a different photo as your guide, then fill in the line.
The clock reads {"hour": 3, "minute": 28, "second": 19}
